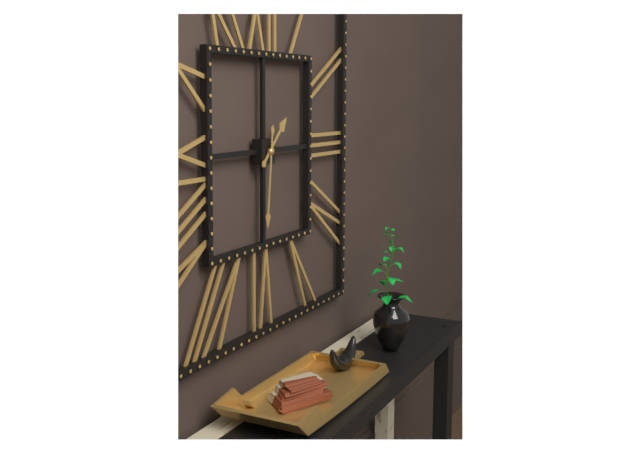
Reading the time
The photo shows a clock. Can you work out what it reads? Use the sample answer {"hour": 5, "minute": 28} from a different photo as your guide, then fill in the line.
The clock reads {"hour": 1, "minute": 31}
